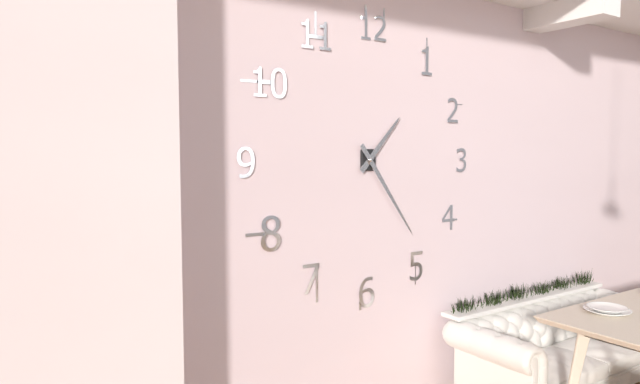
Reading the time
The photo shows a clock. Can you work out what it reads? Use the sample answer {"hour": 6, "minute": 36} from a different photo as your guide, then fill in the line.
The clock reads {"hour": 1, "minute": 24}
